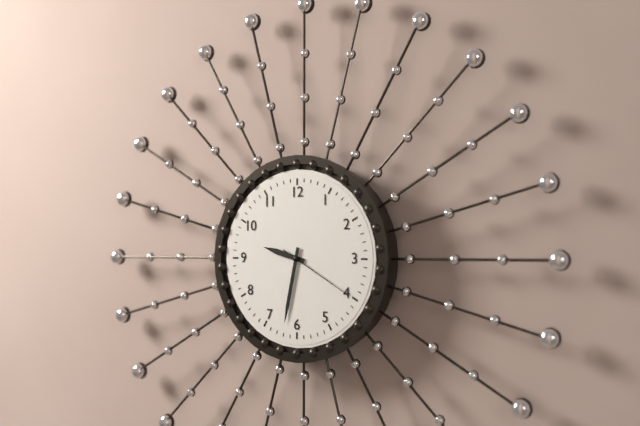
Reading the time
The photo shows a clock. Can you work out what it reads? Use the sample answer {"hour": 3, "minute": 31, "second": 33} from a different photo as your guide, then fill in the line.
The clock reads {"hour": 9, "minute": 32, "second": 20}
